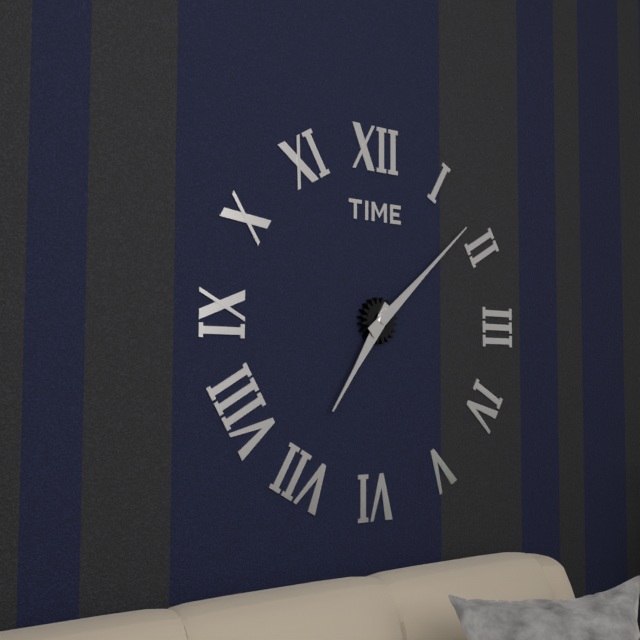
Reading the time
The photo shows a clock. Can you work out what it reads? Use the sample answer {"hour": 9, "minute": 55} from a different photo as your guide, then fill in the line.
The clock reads {"hour": 7, "minute": 8}
